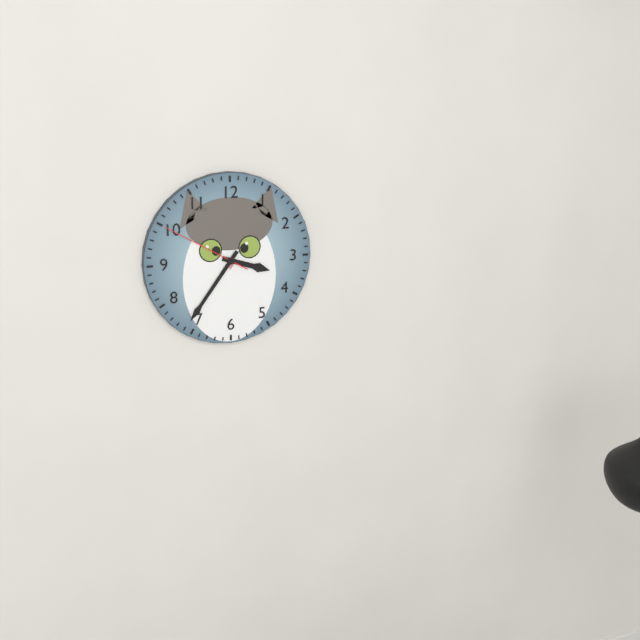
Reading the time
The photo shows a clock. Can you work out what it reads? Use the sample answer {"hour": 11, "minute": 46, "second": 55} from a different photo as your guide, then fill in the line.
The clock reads {"hour": 3, "minute": 36, "second": 50}
